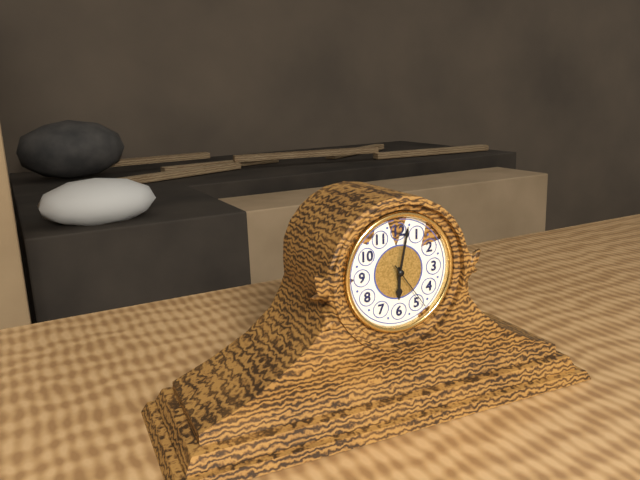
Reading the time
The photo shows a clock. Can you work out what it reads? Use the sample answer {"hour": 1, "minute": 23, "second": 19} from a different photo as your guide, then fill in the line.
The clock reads {"hour": 6, "minute": 2, "second": 24}
